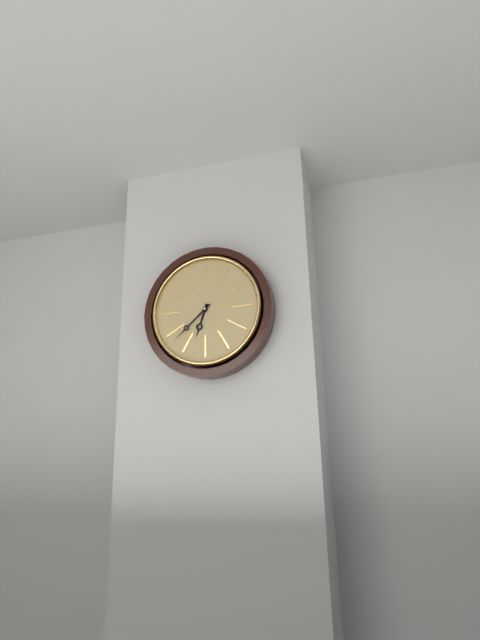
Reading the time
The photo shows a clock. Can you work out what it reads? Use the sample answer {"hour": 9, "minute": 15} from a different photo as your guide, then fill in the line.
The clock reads {"hour": 6, "minute": 38}
